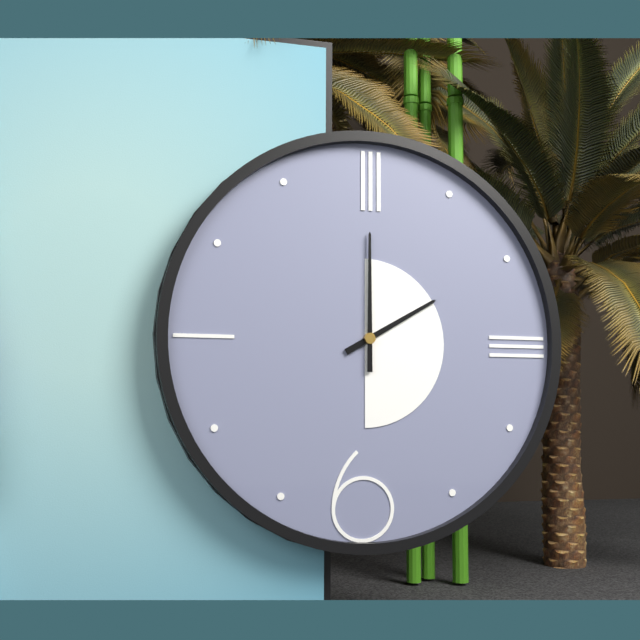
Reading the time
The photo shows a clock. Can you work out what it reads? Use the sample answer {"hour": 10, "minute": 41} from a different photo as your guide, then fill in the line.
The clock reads {"hour": 2, "minute": 0}
